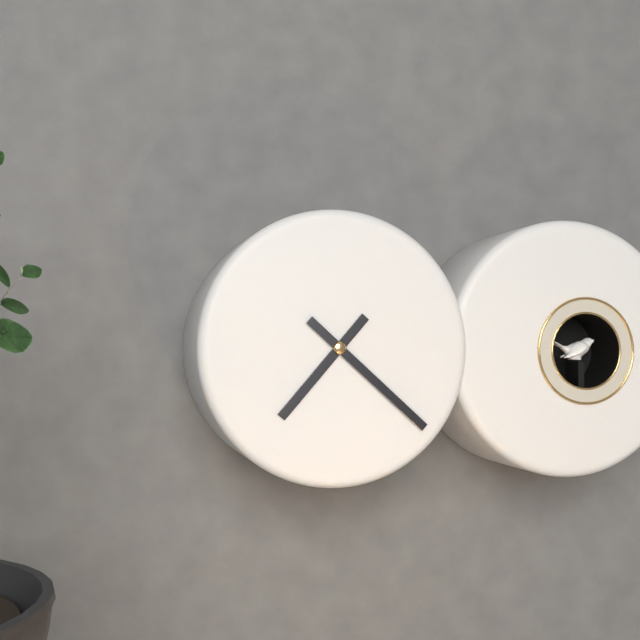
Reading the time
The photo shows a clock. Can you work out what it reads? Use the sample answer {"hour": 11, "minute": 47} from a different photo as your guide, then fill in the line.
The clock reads {"hour": 7, "minute": 22}
